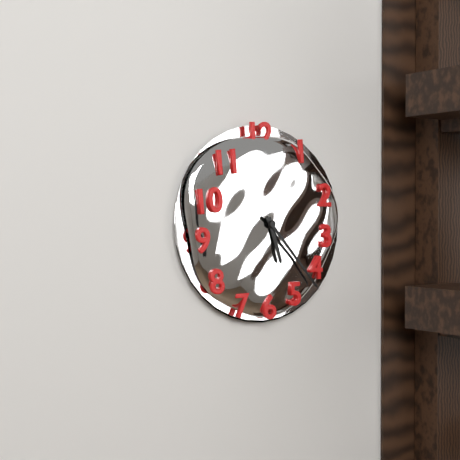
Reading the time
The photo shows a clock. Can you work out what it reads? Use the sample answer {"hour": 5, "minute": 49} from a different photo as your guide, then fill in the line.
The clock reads {"hour": 5, "minute": 23}
